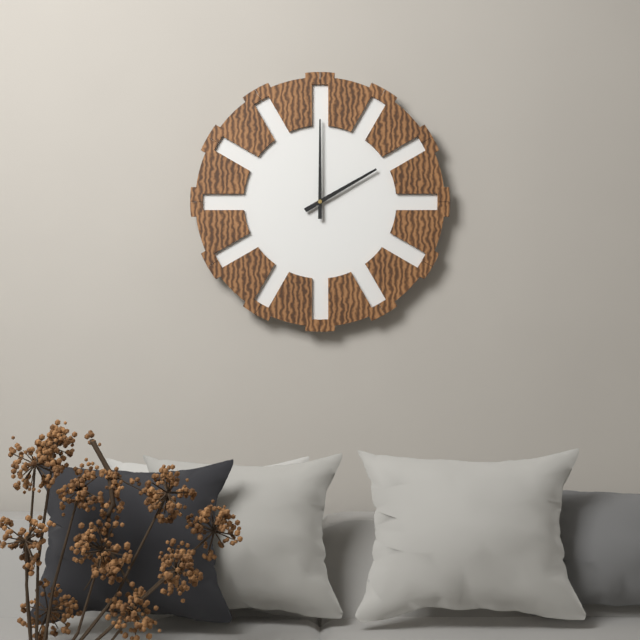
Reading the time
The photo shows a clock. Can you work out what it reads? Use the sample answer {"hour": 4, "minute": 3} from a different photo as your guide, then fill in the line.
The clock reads {"hour": 2, "minute": 0}
